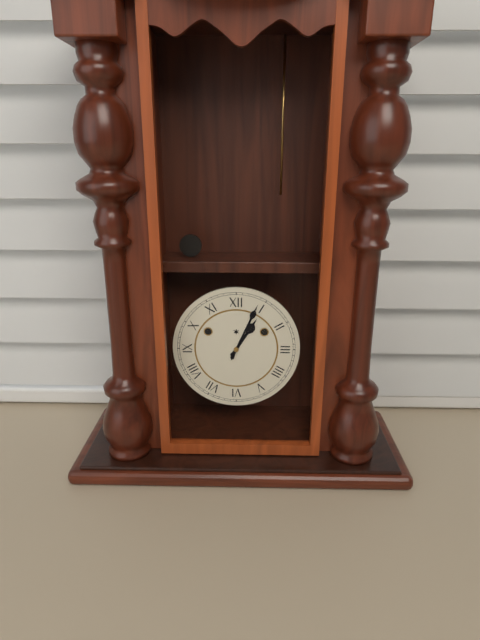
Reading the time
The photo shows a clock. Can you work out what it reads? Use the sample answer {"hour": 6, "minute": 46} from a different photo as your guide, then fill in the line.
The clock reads {"hour": 1, "minute": 4}
